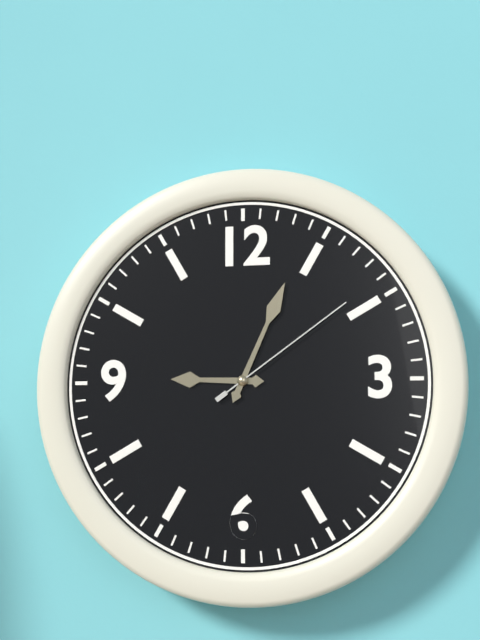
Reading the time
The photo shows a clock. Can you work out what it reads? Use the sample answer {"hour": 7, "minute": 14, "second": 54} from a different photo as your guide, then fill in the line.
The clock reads {"hour": 9, "minute": 4, "second": 9}
